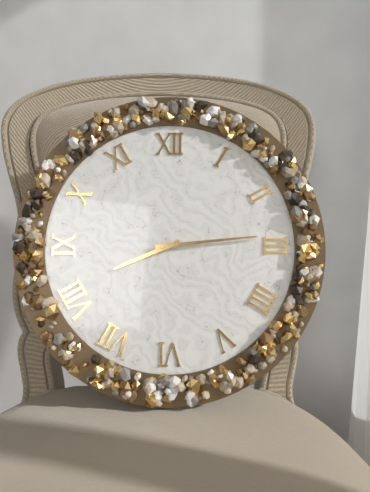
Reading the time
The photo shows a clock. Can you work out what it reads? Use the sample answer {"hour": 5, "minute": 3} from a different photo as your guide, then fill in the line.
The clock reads {"hour": 8, "minute": 14}
